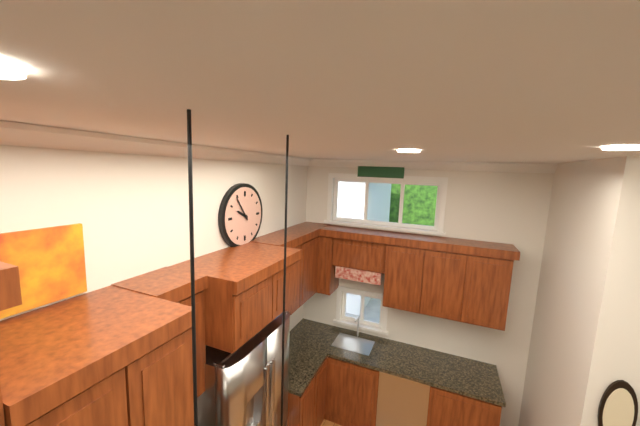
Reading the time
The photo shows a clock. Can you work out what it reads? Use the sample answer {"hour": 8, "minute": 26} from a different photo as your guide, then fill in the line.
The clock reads {"hour": 9, "minute": 54}
